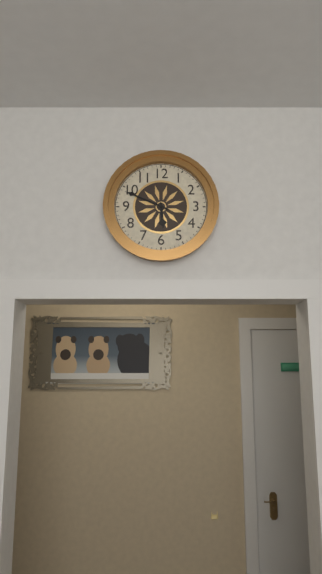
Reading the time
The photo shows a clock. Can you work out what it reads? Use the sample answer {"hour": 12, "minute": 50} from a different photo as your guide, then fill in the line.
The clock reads {"hour": 5, "minute": 49}
